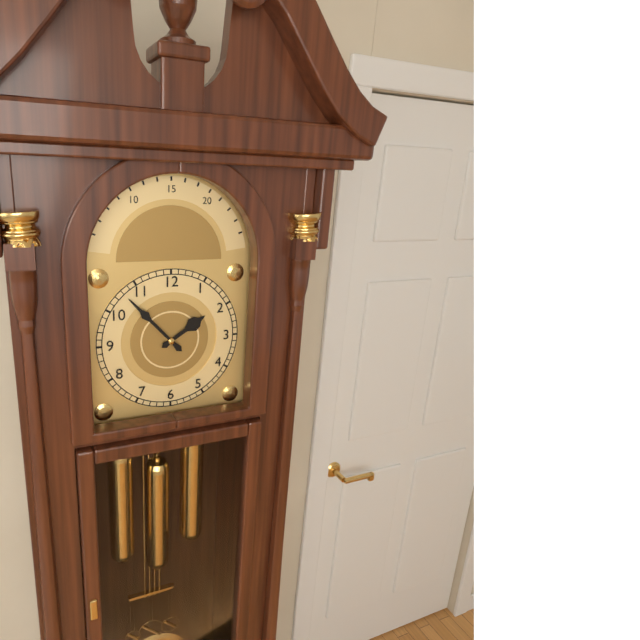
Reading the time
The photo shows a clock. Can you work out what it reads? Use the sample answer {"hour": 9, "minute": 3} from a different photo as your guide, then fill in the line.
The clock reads {"hour": 1, "minute": 53}
